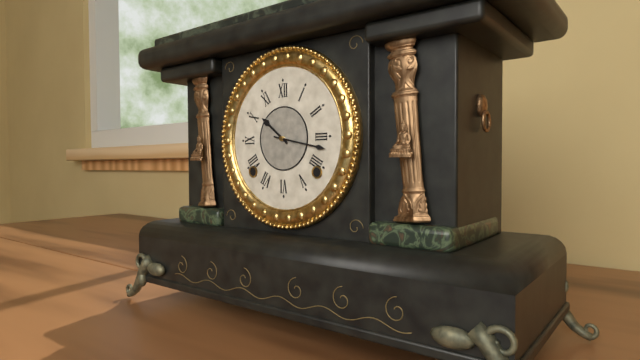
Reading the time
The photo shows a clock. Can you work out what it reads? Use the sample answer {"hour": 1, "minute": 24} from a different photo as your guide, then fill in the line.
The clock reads {"hour": 10, "minute": 17}
